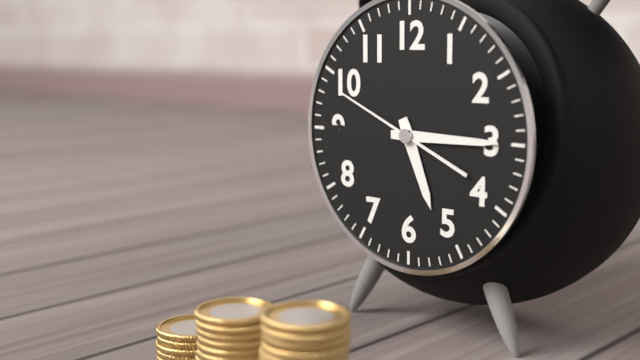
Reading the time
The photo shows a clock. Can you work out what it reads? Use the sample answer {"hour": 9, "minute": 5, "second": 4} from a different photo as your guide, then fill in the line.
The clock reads {"hour": 5, "minute": 15, "second": 49}
